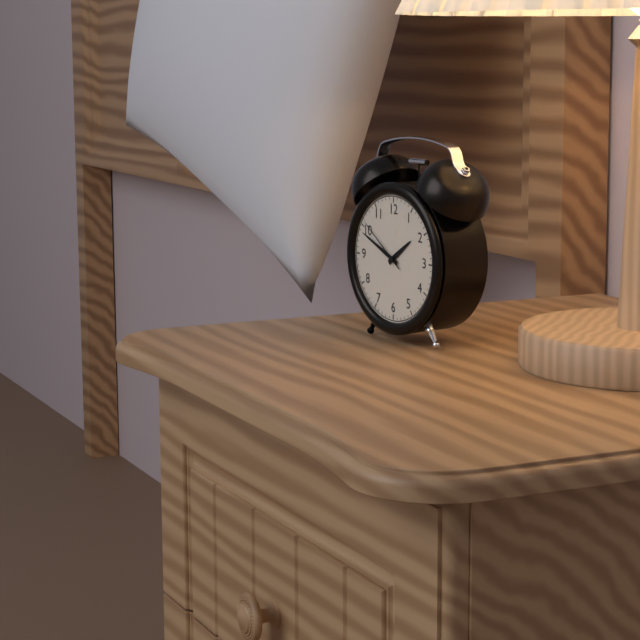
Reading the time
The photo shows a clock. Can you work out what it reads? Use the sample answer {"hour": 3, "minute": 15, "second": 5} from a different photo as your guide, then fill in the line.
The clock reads {"hour": 1, "minute": 49, "second": 51}
